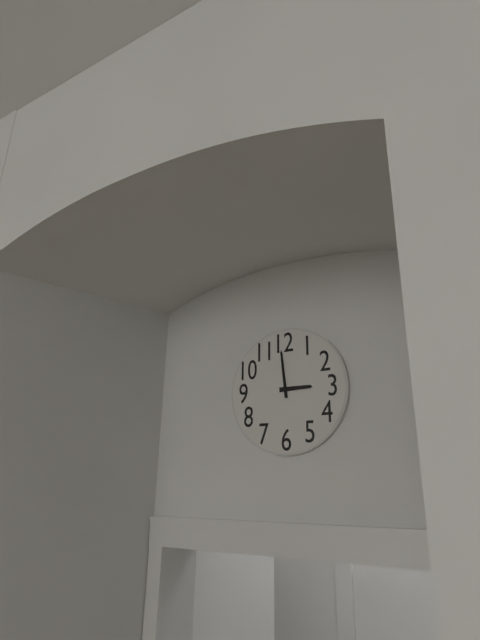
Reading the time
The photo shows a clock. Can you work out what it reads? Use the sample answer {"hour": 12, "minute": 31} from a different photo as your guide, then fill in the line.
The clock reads {"hour": 2, "minute": 59}
